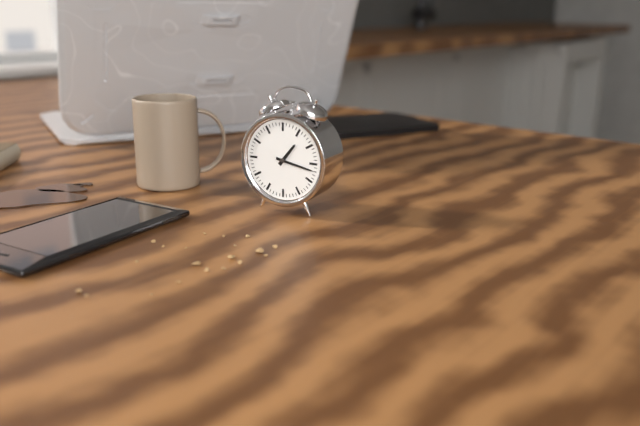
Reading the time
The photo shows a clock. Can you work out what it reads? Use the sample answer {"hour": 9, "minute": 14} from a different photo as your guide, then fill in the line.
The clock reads {"hour": 1, "minute": 17}
